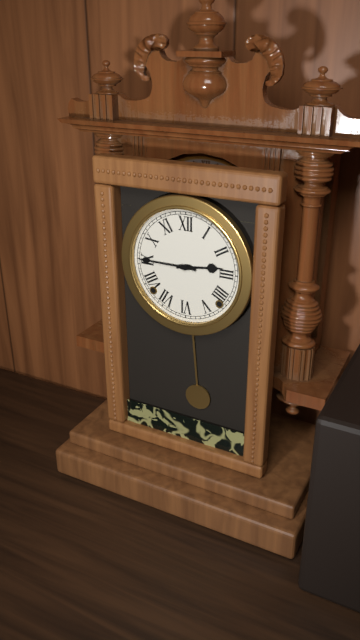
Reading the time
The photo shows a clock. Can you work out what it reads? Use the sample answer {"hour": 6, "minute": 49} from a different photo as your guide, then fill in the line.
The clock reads {"hour": 2, "minute": 45}
